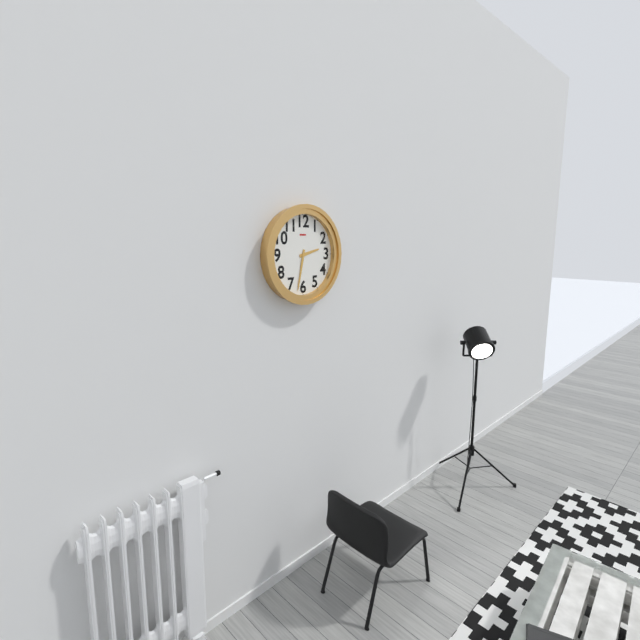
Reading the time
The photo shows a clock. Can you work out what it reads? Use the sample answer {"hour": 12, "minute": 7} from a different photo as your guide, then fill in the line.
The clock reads {"hour": 2, "minute": 32}
